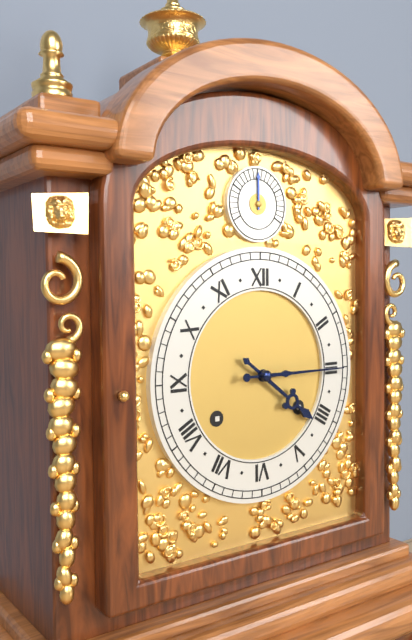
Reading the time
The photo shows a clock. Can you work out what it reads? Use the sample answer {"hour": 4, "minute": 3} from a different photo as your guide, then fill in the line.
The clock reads {"hour": 4, "minute": 15}
